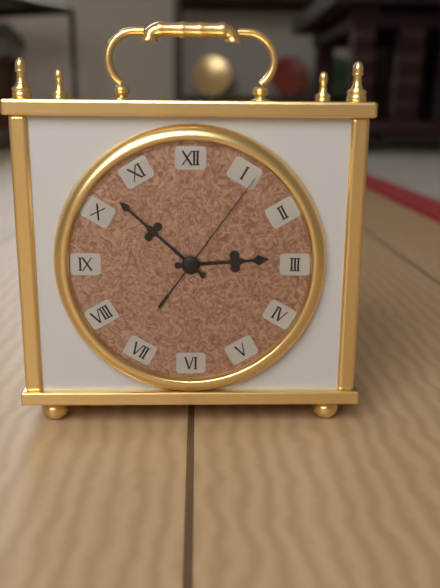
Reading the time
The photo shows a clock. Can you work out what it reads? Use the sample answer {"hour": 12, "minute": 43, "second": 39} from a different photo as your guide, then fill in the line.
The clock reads {"hour": 2, "minute": 52, "second": 6}
